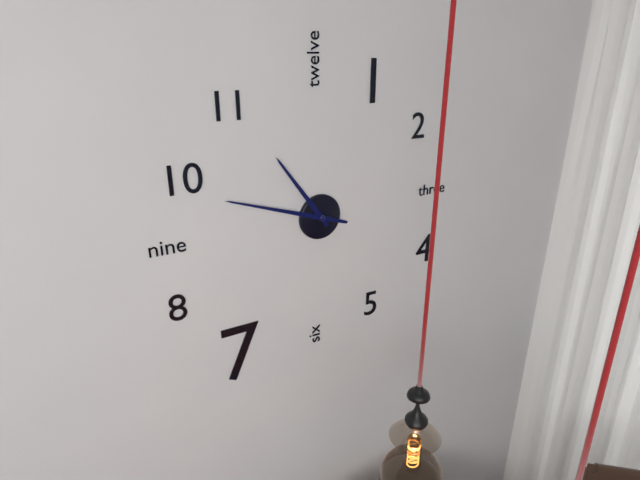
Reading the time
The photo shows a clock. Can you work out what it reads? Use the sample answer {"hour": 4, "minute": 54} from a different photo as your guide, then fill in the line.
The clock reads {"hour": 10, "minute": 48}
